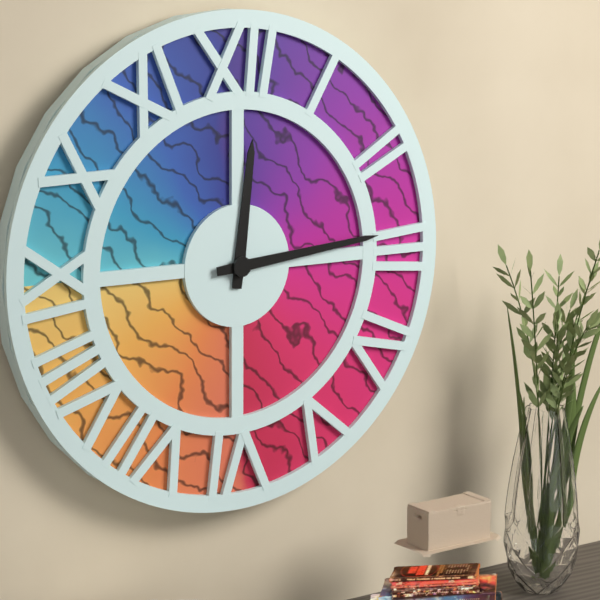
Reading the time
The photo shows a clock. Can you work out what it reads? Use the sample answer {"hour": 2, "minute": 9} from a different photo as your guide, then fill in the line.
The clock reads {"hour": 12, "minute": 14}
